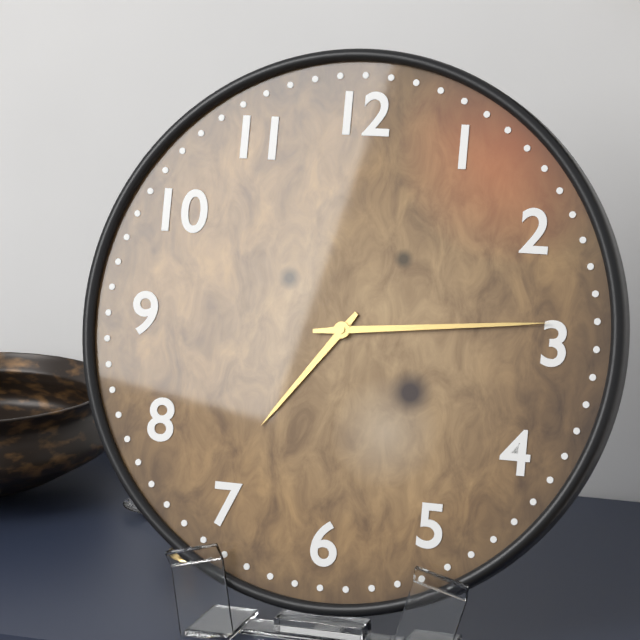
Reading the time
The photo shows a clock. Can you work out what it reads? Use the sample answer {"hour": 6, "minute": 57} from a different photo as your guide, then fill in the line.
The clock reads {"hour": 7, "minute": 14}
